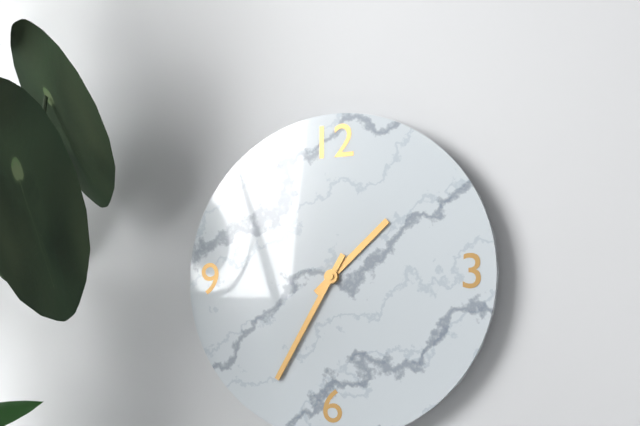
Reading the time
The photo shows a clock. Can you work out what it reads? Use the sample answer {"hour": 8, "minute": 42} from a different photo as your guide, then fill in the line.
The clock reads {"hour": 1, "minute": 35}
